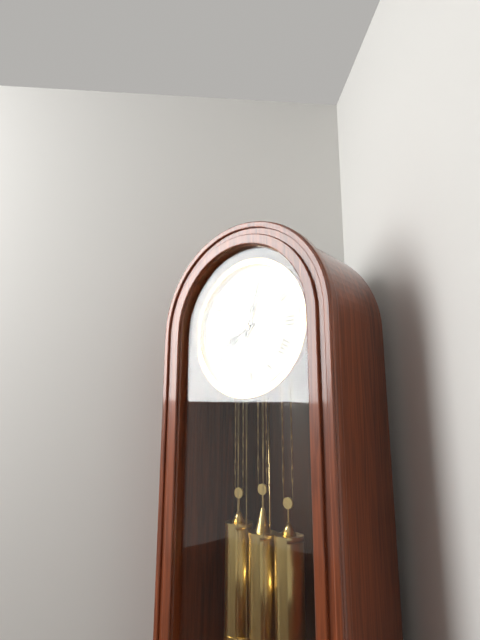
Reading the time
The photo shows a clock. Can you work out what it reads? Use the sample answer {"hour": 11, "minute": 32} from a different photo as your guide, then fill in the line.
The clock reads {"hour": 8, "minute": 3}
